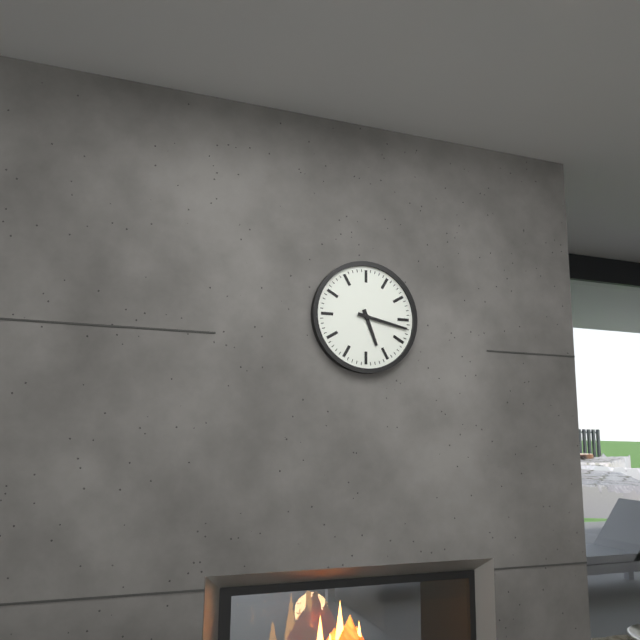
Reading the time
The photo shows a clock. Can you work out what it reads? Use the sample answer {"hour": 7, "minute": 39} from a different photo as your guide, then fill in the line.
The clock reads {"hour": 5, "minute": 17}
